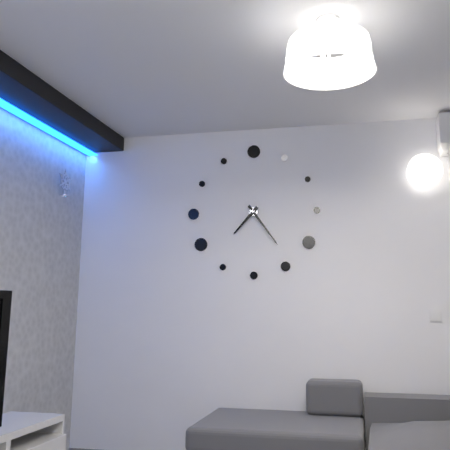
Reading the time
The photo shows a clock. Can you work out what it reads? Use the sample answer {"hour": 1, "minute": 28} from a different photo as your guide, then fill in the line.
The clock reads {"hour": 7, "minute": 24}
